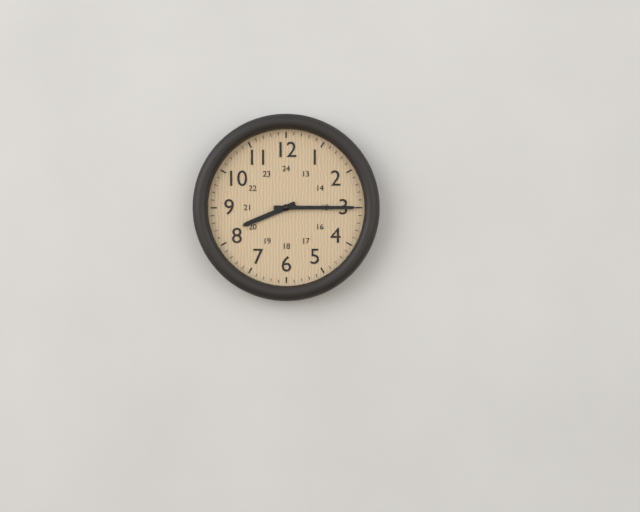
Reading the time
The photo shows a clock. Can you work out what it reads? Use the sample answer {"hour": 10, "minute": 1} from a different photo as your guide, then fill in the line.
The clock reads {"hour": 8, "minute": 15}
